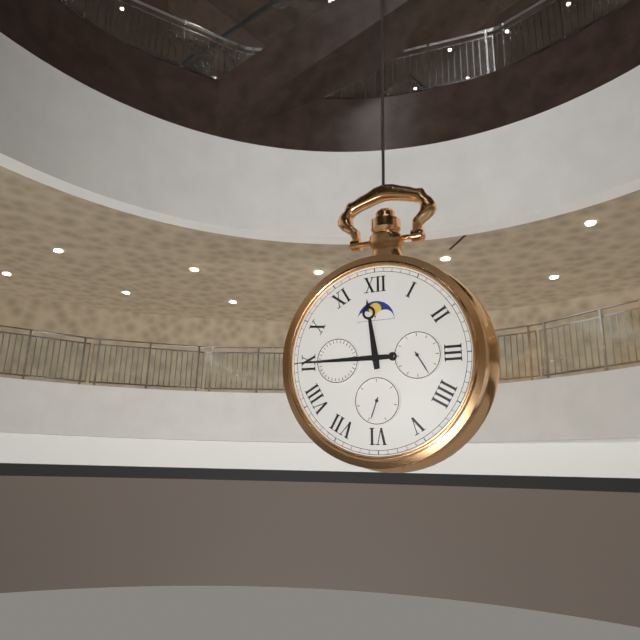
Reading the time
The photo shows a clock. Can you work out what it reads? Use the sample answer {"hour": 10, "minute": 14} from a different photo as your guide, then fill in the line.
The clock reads {"hour": 11, "minute": 45}
